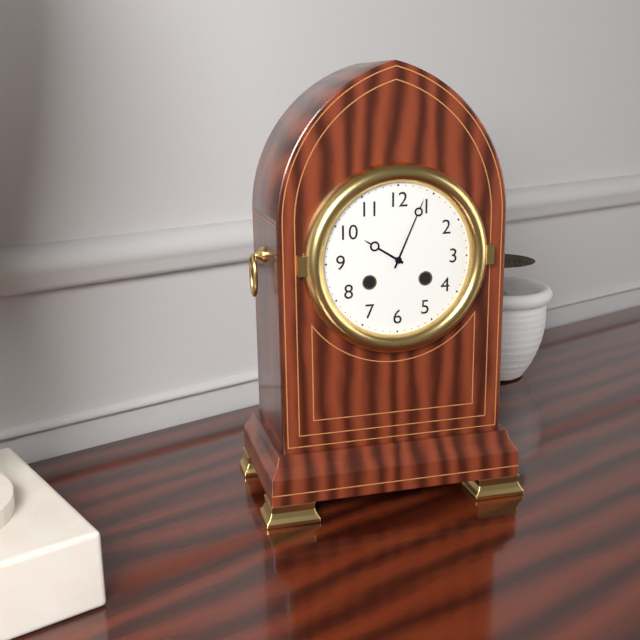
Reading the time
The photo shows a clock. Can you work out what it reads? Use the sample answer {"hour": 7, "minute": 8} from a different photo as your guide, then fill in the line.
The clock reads {"hour": 10, "minute": 4}
